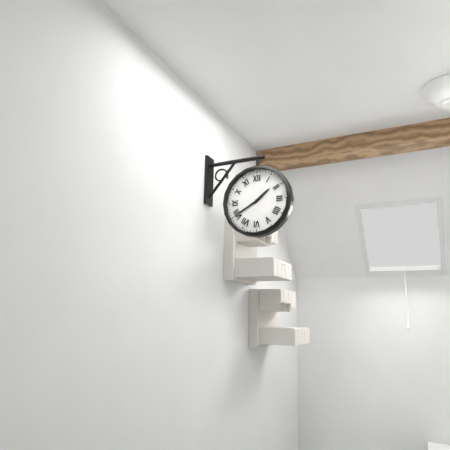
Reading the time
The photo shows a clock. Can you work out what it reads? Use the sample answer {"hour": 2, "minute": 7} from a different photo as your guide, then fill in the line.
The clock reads {"hour": 1, "minute": 40}
